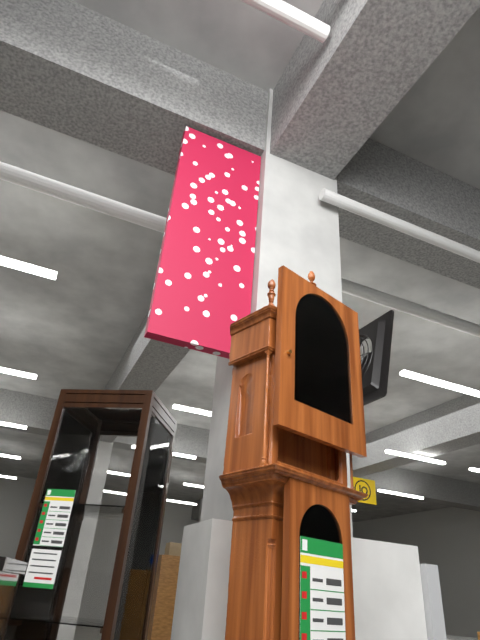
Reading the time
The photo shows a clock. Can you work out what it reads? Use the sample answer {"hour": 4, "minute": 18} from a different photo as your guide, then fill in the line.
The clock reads {"hour": 2, "minute": 19}
